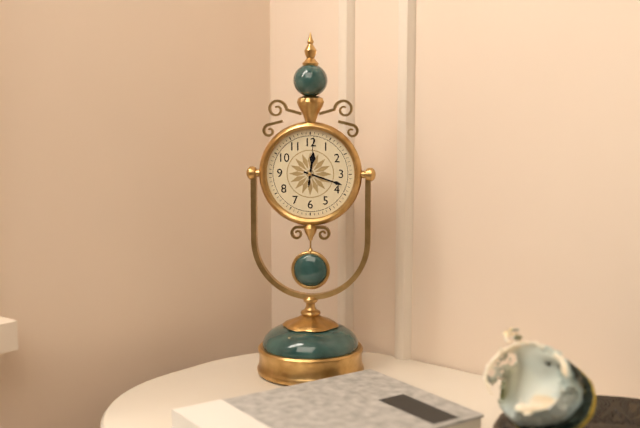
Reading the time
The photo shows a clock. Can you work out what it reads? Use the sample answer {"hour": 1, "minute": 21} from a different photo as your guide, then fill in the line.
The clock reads {"hour": 12, "minute": 18}
